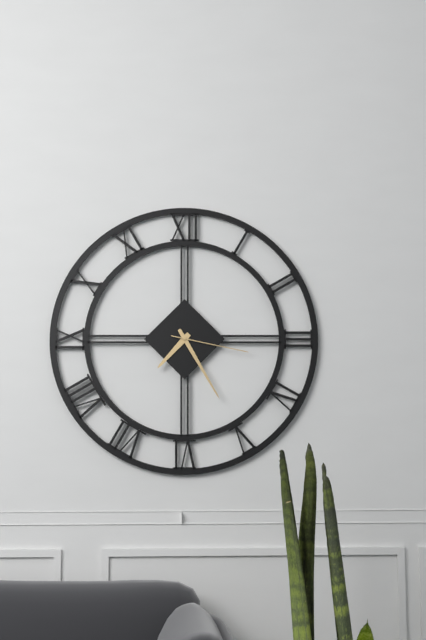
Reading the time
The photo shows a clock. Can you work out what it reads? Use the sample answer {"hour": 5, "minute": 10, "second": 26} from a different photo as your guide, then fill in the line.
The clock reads {"hour": 7, "minute": 25, "second": 17}
